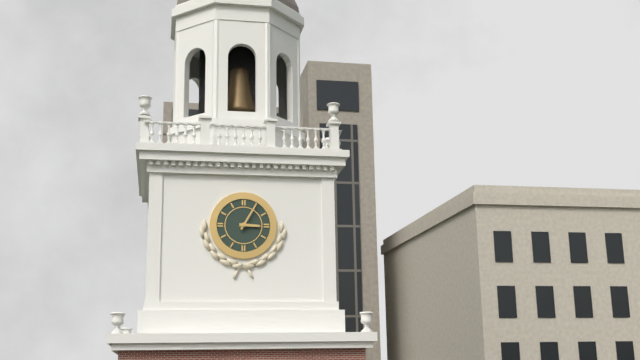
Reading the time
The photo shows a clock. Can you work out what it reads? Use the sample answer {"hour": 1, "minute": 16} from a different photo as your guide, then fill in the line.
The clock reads {"hour": 3, "minute": 5}
